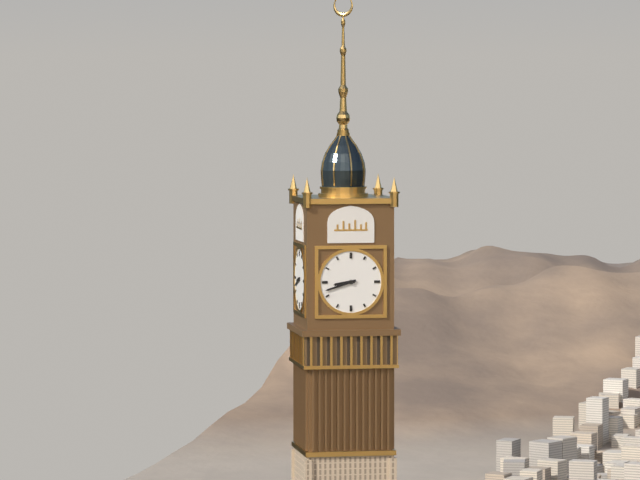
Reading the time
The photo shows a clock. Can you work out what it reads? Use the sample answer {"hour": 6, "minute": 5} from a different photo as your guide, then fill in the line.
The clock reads {"hour": 8, "minute": 42}
